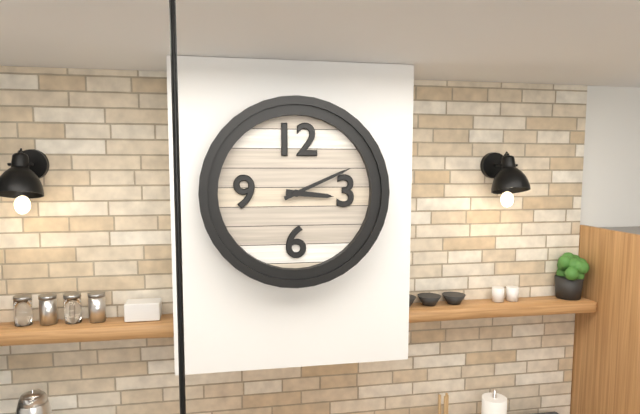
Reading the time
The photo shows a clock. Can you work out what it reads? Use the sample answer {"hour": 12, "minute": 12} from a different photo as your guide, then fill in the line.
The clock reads {"hour": 3, "minute": 11}
